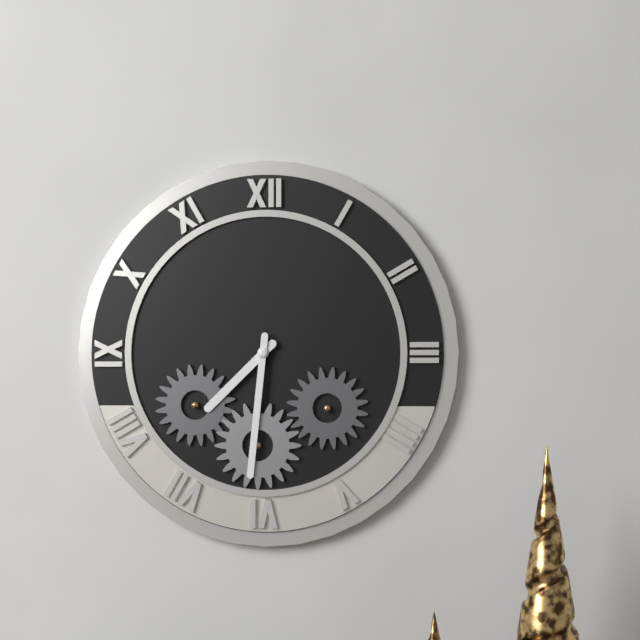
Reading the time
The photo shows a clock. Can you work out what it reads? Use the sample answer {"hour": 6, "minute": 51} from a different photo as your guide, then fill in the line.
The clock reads {"hour": 7, "minute": 31}
